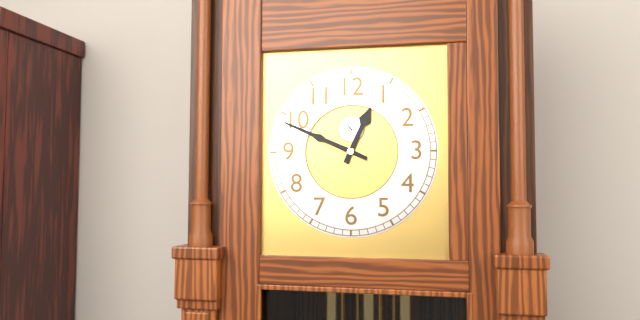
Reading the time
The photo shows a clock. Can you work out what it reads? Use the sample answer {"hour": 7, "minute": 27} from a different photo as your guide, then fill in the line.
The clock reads {"hour": 12, "minute": 49}
